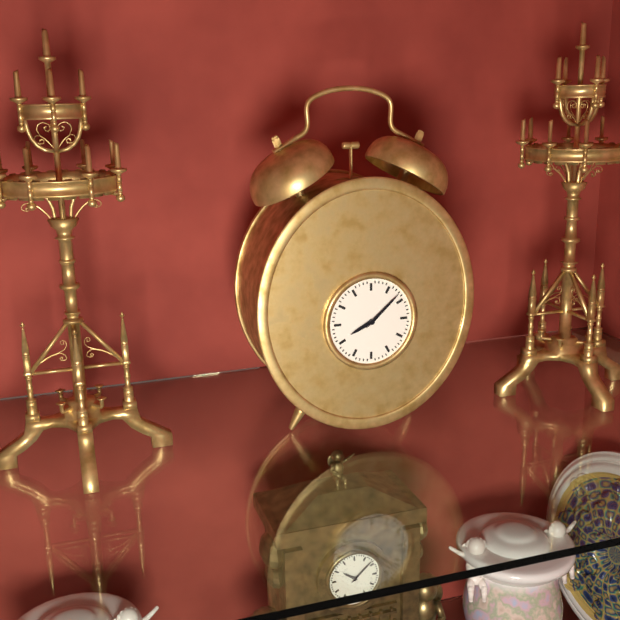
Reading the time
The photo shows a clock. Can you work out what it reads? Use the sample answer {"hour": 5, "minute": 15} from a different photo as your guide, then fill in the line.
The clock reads {"hour": 8, "minute": 8}
